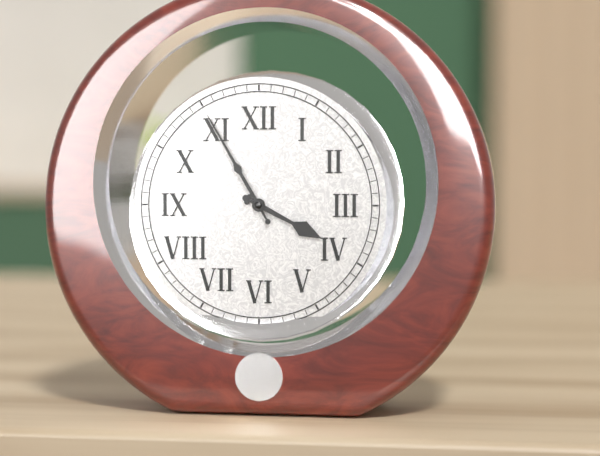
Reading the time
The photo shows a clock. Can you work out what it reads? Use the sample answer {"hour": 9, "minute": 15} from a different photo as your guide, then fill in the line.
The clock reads {"hour": 3, "minute": 55}
